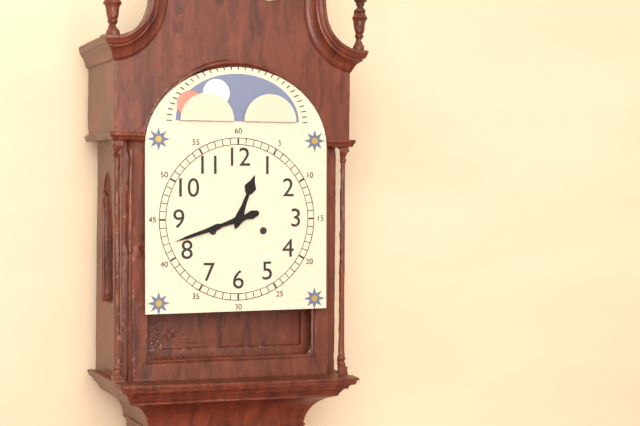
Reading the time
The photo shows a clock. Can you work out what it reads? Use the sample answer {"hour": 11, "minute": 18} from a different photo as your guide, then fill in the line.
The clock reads {"hour": 12, "minute": 42}
